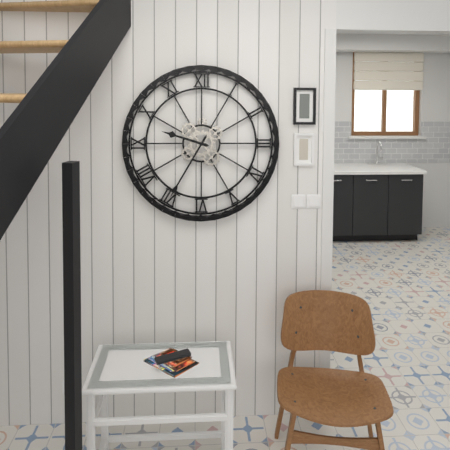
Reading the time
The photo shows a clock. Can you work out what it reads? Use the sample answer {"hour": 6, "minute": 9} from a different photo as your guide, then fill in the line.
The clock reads {"hour": 9, "minute": 35}
